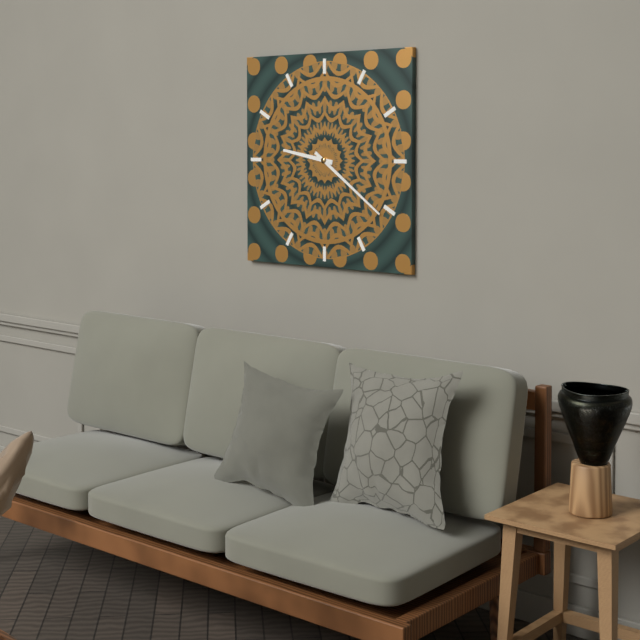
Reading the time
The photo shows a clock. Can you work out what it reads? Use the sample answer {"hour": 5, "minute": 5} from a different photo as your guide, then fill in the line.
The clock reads {"hour": 9, "minute": 21}
